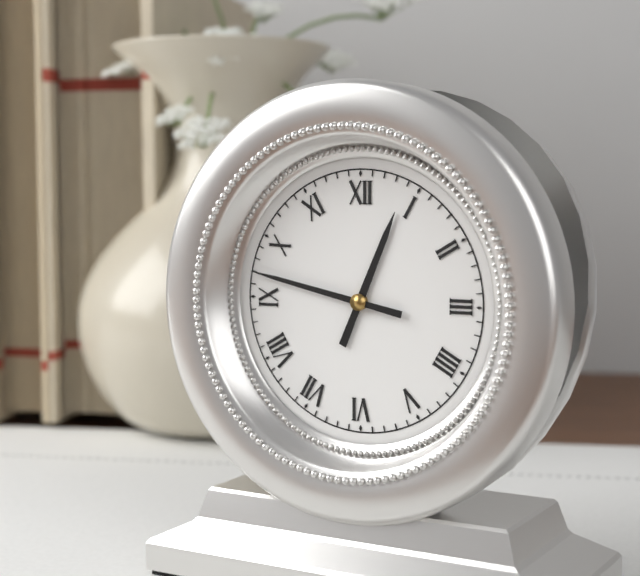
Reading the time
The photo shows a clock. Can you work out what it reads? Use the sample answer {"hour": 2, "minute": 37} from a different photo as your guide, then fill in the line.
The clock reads {"hour": 12, "minute": 47}
